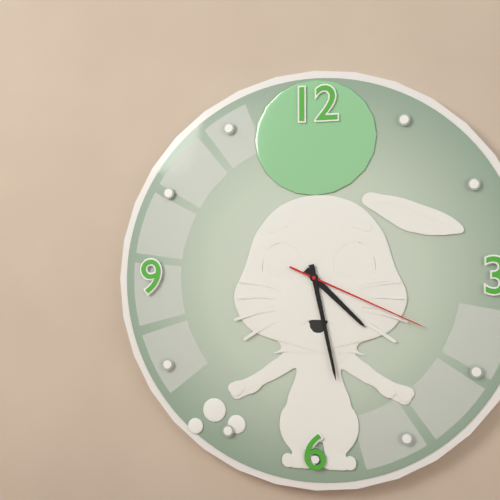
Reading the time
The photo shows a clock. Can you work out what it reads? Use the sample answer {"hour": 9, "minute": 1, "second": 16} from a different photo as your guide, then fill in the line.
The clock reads {"hour": 4, "minute": 28, "second": 19}
